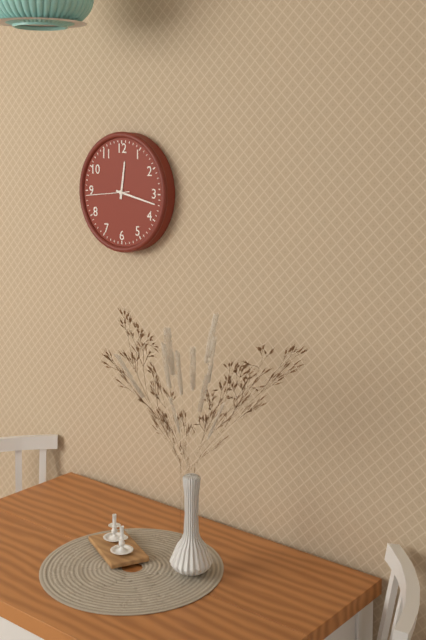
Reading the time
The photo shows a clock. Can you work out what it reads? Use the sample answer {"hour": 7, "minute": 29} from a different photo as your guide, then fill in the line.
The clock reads {"hour": 12, "minute": 17}
